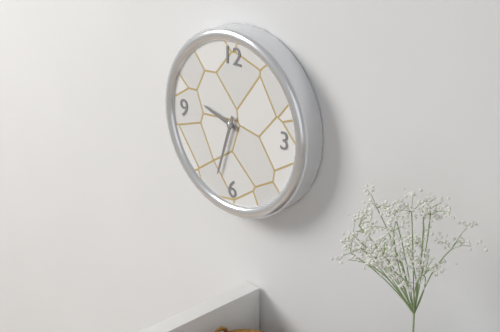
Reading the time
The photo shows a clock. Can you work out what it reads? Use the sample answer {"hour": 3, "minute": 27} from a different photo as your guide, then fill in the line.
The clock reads {"hour": 9, "minute": 33}
